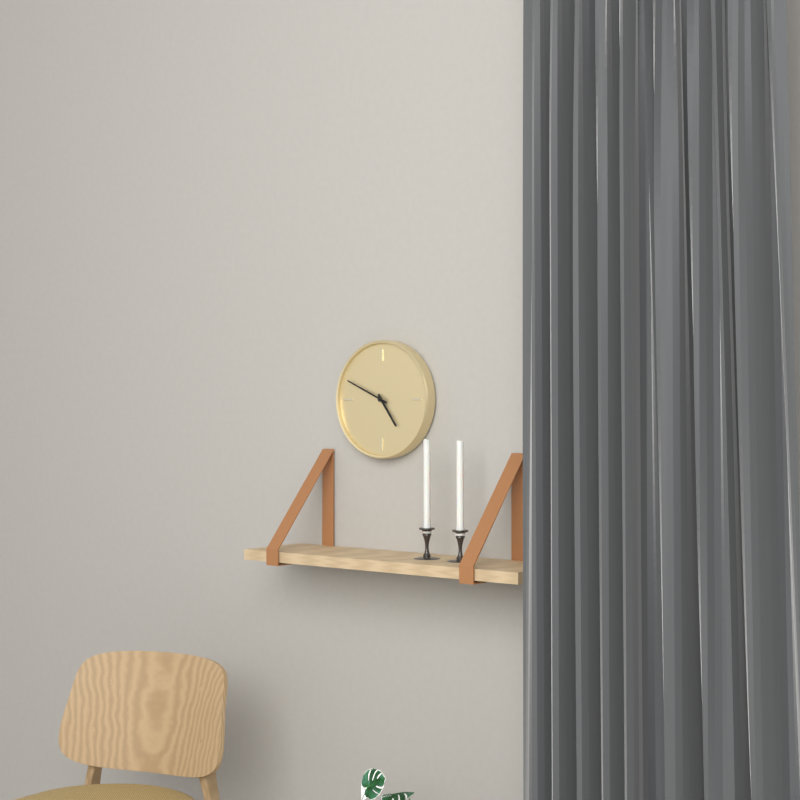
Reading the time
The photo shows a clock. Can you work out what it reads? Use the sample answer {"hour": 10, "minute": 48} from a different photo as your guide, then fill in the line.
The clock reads {"hour": 4, "minute": 49}
